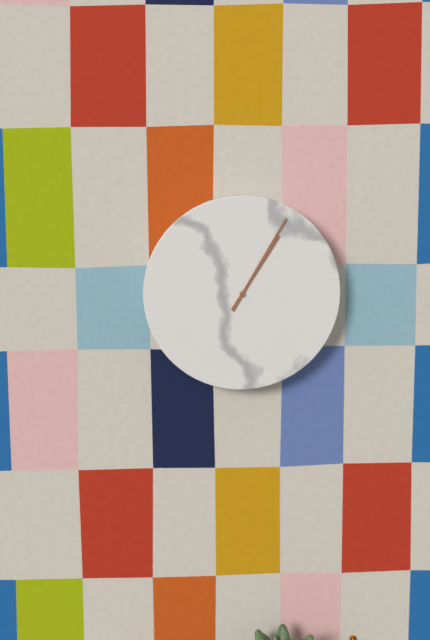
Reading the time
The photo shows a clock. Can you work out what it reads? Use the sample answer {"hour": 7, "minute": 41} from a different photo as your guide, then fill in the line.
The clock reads {"hour": 1, "minute": 5}
